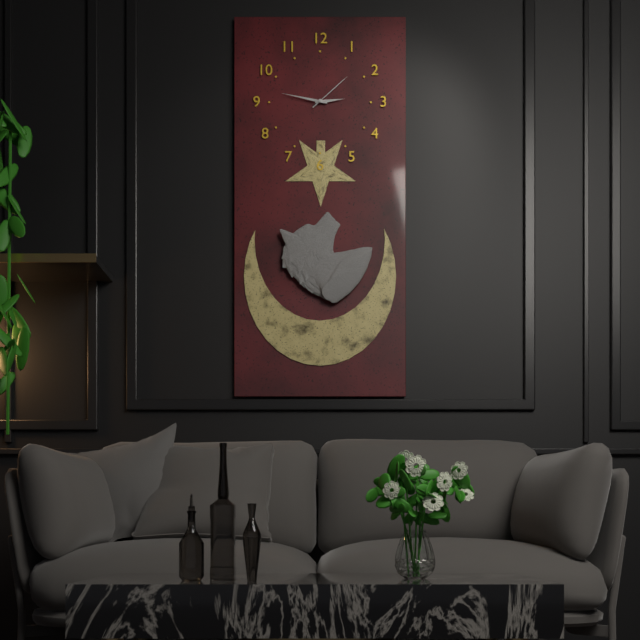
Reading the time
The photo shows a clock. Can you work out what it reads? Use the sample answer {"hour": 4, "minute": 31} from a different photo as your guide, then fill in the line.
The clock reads {"hour": 2, "minute": 47}
